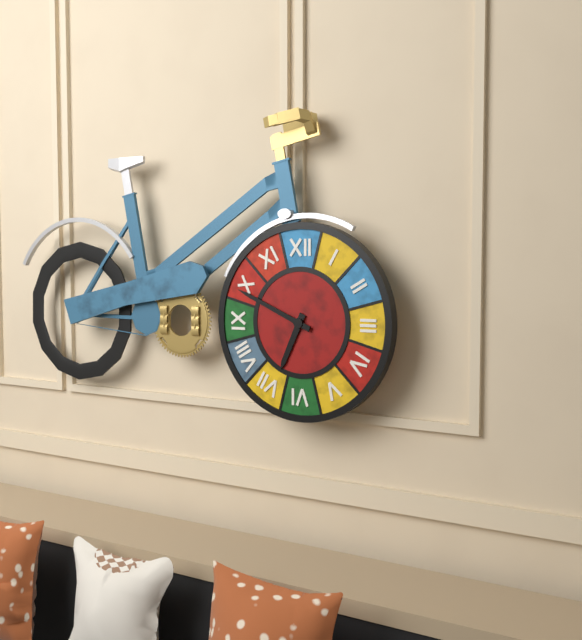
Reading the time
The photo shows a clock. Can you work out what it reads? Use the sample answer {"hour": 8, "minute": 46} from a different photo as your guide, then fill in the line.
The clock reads {"hour": 6, "minute": 49}
